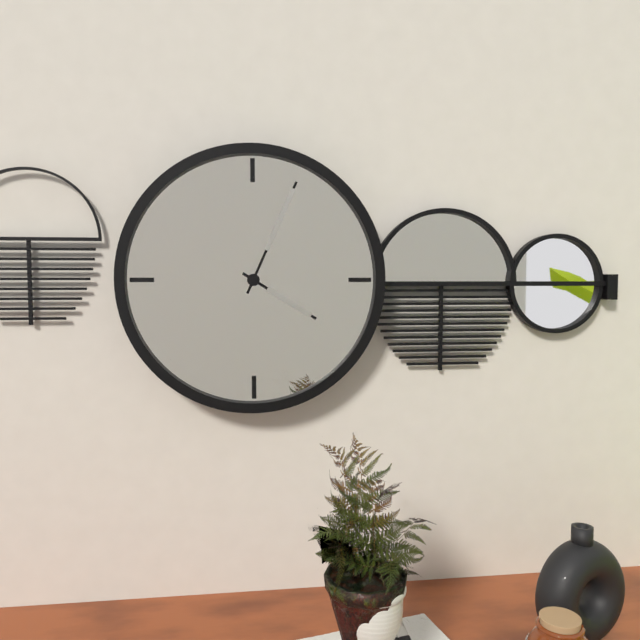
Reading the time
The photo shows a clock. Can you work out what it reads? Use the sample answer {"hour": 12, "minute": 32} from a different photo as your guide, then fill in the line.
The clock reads {"hour": 4, "minute": 4}
